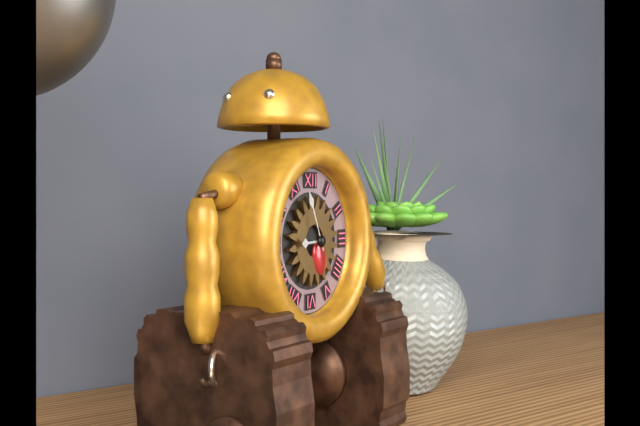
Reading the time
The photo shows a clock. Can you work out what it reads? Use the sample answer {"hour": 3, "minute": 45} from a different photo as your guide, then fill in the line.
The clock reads {"hour": 8, "minute": 56}
